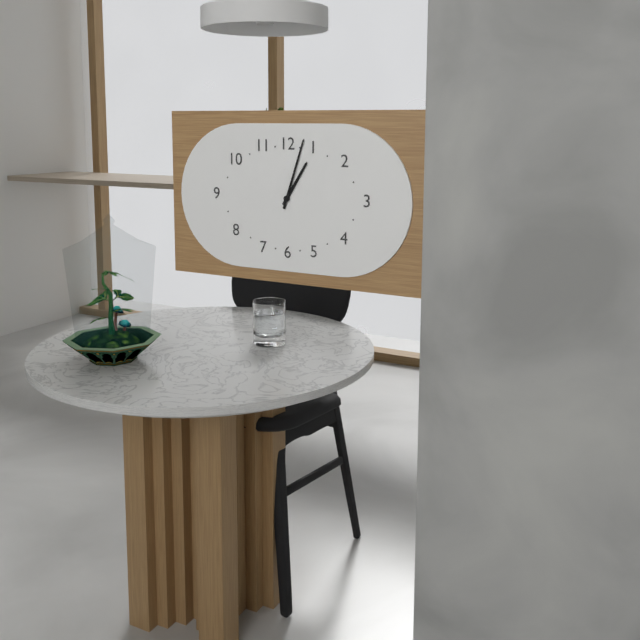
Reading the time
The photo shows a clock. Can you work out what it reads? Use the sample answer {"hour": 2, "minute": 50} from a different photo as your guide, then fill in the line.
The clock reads {"hour": 1, "minute": 3}
